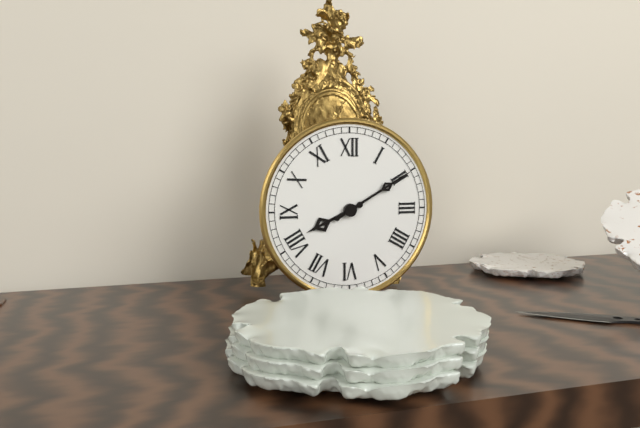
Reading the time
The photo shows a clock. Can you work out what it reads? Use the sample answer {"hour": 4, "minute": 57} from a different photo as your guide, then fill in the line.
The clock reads {"hour": 8, "minute": 10}
